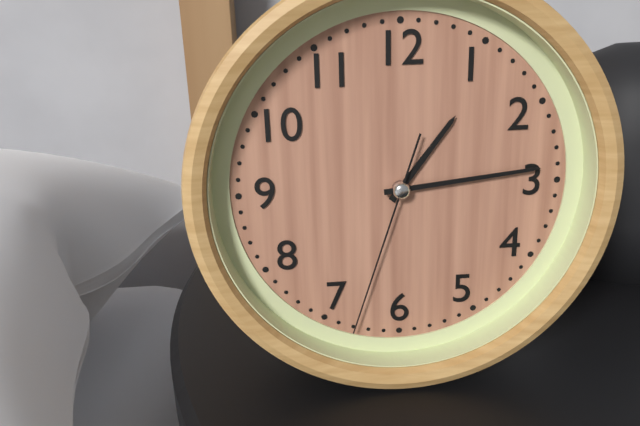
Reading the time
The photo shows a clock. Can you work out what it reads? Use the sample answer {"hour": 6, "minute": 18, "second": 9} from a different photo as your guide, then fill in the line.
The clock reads {"hour": 1, "minute": 14, "second": 33}
